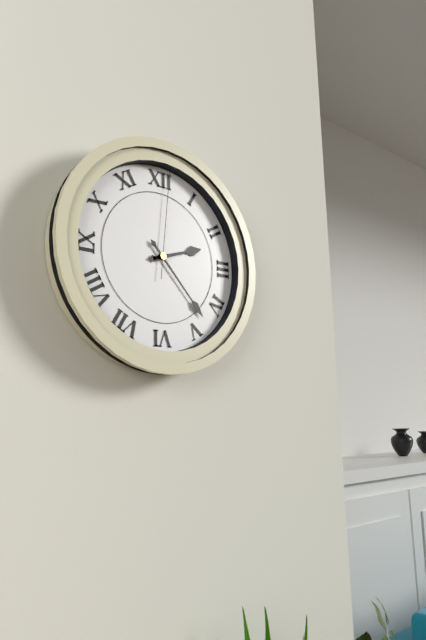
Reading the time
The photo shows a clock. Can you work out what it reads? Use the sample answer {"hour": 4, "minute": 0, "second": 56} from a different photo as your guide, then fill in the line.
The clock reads {"hour": 2, "minute": 23, "second": 1}
